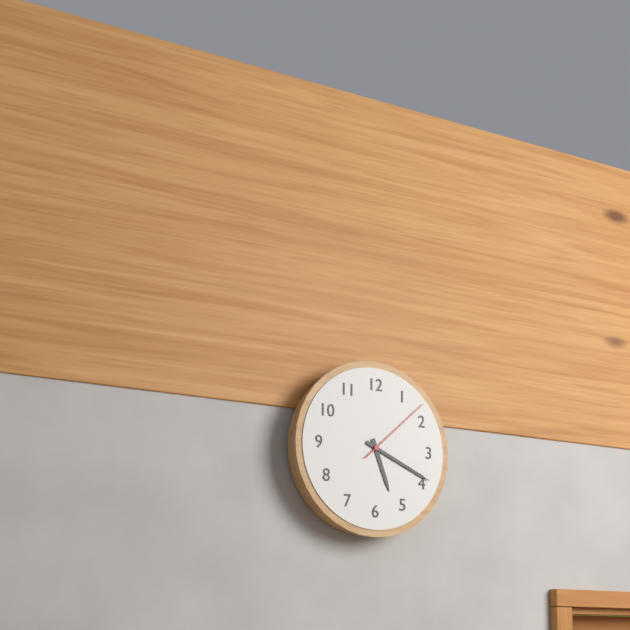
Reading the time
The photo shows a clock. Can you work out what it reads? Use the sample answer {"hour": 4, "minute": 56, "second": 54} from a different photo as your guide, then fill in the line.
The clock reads {"hour": 5, "minute": 19, "second": 8}
